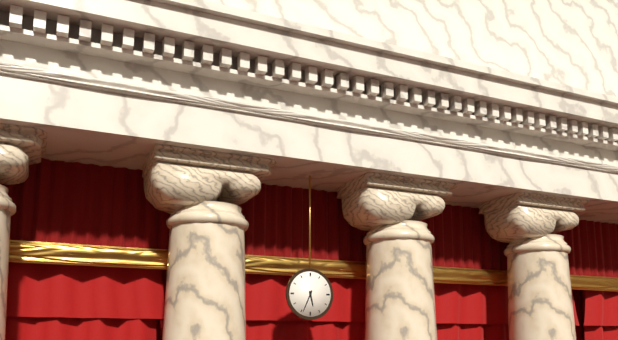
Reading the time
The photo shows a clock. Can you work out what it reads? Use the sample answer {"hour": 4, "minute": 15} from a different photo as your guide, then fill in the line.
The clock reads {"hour": 5, "minute": 34}
